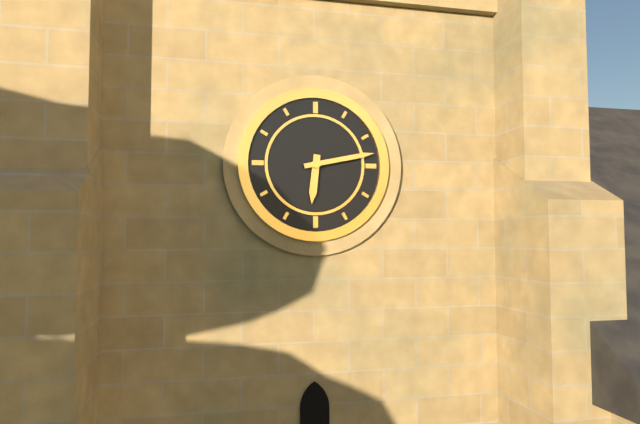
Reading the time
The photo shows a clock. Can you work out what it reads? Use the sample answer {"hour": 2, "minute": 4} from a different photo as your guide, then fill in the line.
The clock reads {"hour": 6, "minute": 13}
